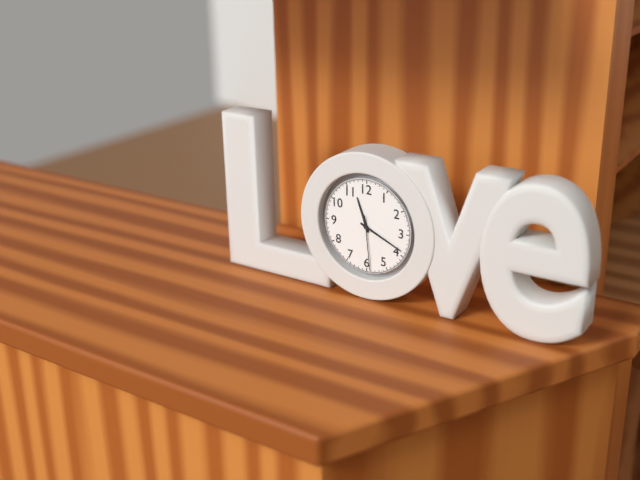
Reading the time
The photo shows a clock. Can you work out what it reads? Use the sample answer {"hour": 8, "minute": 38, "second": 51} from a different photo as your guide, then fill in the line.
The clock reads {"hour": 11, "minute": 19, "second": 29}
